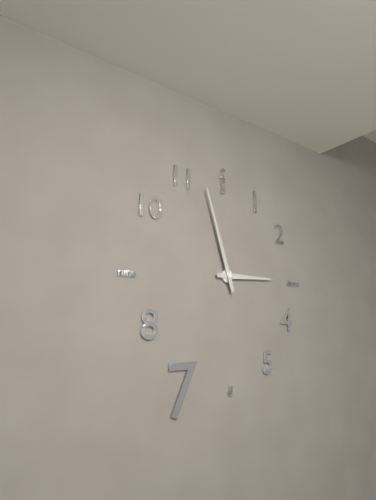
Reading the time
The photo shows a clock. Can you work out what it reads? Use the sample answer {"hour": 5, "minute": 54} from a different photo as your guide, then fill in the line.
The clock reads {"hour": 2, "minute": 57}
